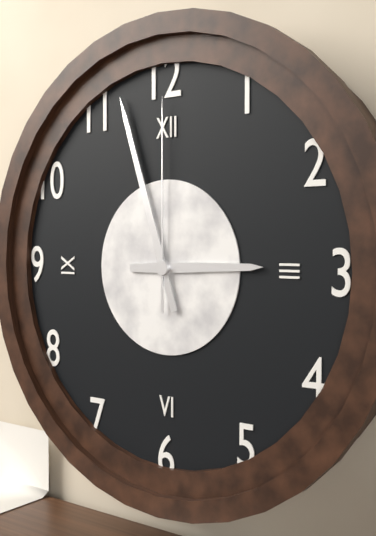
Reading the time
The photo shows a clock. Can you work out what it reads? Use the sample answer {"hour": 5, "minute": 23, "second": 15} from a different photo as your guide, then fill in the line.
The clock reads {"hour": 2, "minute": 57, "second": 0}
